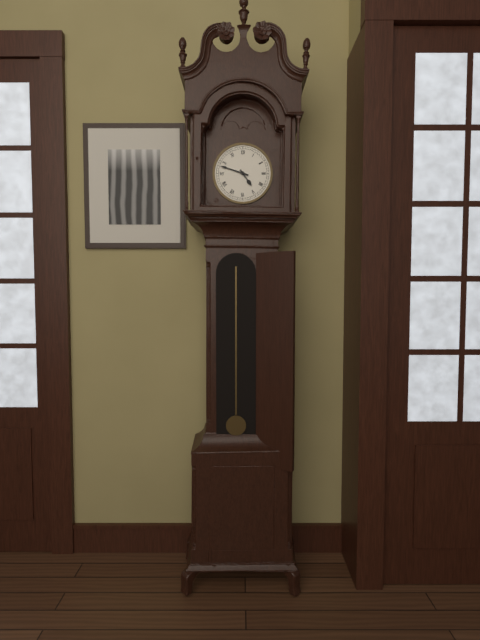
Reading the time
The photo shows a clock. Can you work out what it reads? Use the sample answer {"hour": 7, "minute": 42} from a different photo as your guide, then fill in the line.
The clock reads {"hour": 4, "minute": 48}
